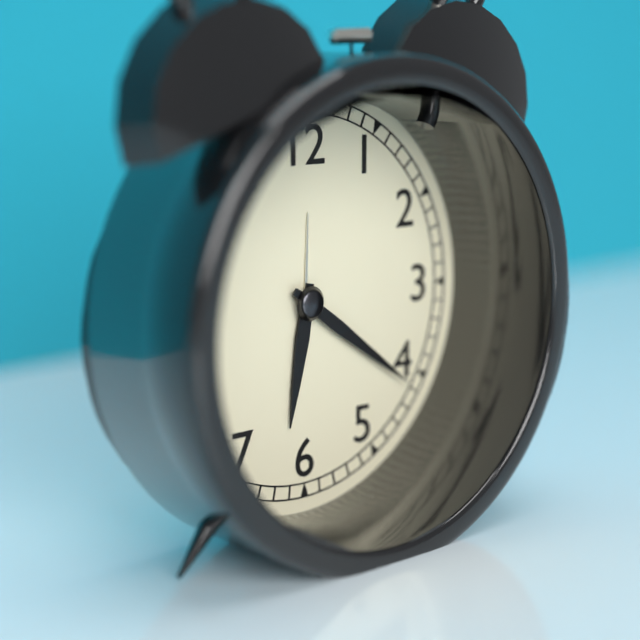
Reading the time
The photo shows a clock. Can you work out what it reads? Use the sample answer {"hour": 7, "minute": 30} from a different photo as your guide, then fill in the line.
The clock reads {"hour": 6, "minute": 21}
